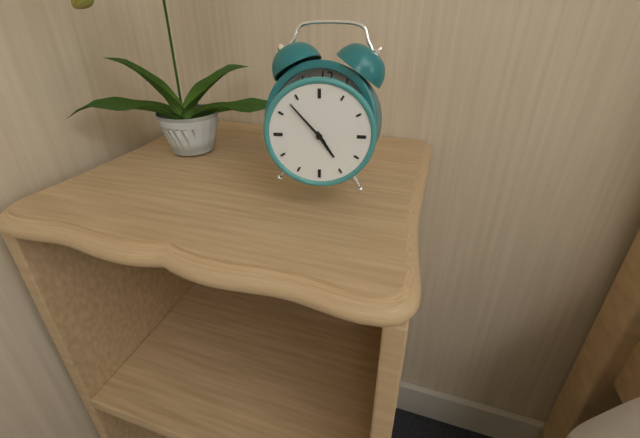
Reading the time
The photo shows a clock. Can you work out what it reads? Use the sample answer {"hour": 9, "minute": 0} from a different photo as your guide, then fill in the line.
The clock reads {"hour": 4, "minute": 53}
